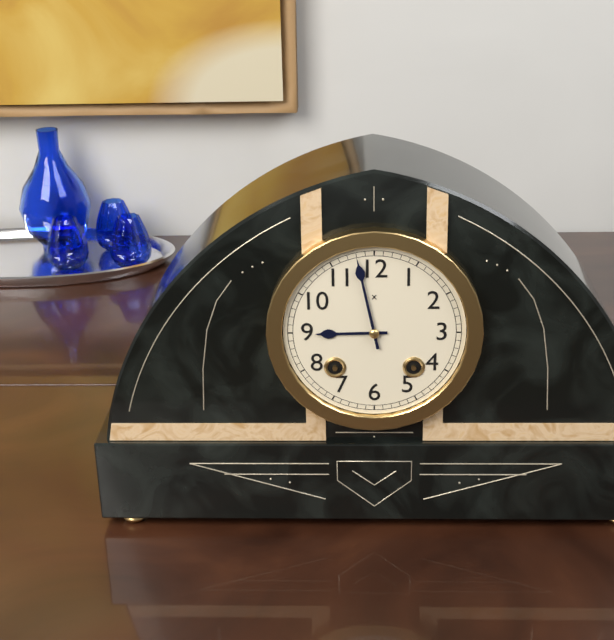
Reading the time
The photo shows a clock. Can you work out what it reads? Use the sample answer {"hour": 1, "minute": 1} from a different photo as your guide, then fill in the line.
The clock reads {"hour": 8, "minute": 58}
